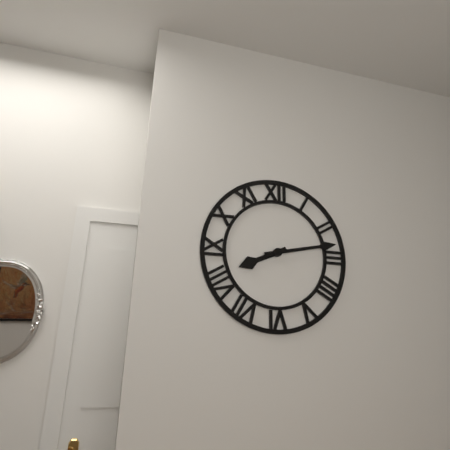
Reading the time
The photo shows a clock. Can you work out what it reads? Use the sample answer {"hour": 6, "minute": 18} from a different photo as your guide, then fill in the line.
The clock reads {"hour": 8, "minute": 13}
